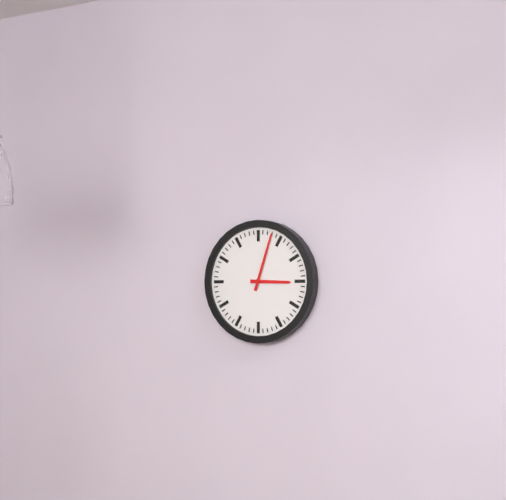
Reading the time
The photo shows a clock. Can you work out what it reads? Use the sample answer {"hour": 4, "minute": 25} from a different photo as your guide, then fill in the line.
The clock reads {"hour": 3, "minute": 3}
